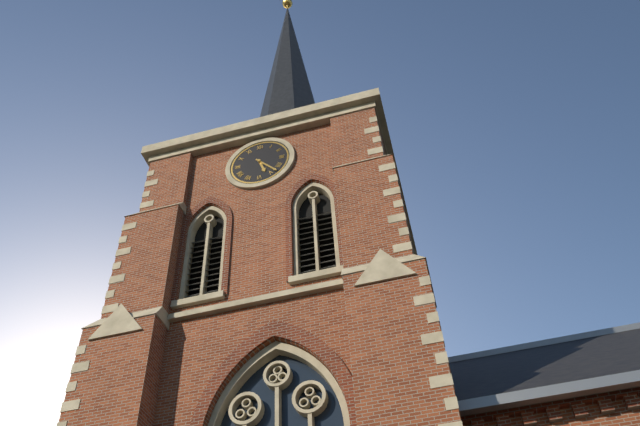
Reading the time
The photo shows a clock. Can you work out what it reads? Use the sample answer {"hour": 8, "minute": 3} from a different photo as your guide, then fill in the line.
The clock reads {"hour": 5, "minute": 23}
